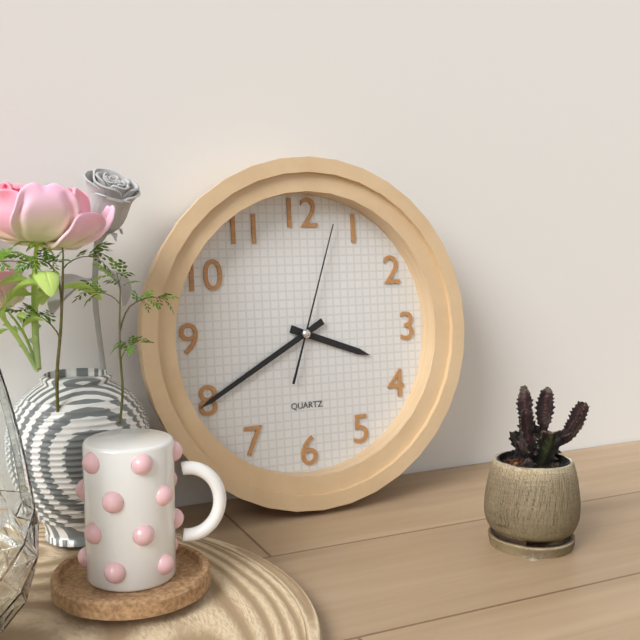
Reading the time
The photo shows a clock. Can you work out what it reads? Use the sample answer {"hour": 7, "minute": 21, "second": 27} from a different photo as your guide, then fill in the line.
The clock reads {"hour": 3, "minute": 40, "second": 3}
